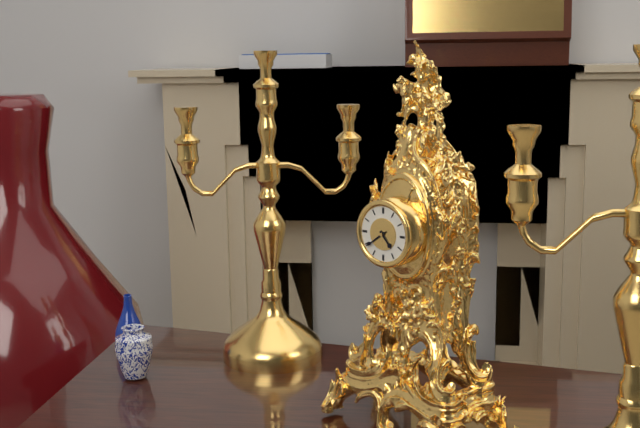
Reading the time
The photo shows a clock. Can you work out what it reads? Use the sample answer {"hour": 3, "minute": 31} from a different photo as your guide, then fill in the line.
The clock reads {"hour": 4, "minute": 39}
